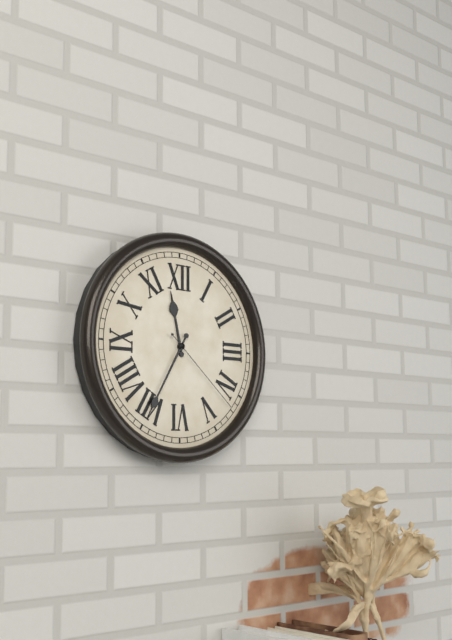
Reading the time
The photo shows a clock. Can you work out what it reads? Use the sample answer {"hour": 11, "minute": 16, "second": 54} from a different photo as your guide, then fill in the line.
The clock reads {"hour": 11, "minute": 35, "second": 22}
